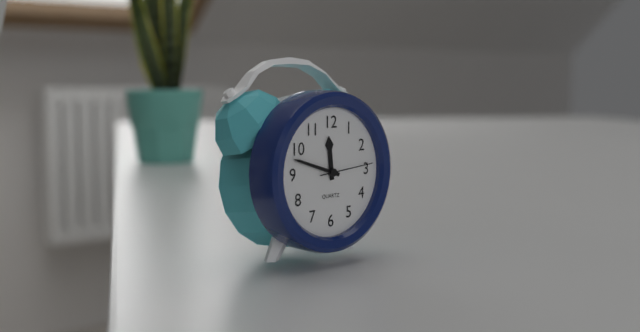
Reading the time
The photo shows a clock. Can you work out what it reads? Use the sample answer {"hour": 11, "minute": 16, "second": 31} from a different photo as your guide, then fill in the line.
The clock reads {"hour": 11, "minute": 48, "second": 14}
